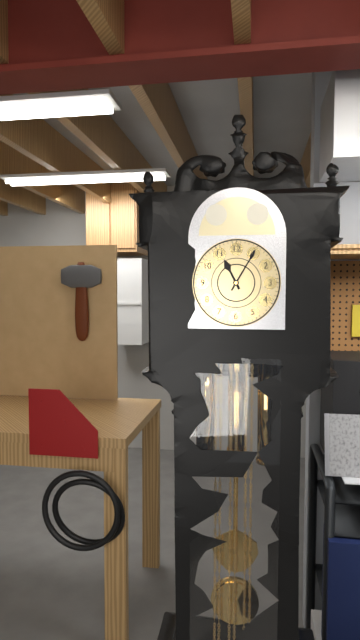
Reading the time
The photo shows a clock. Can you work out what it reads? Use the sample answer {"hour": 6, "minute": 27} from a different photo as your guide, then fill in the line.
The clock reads {"hour": 11, "minute": 5}
